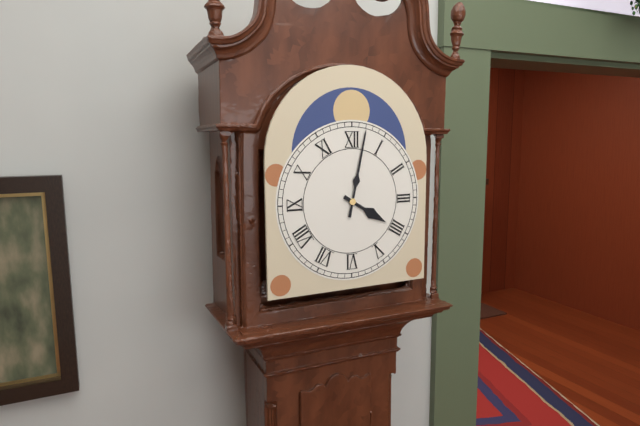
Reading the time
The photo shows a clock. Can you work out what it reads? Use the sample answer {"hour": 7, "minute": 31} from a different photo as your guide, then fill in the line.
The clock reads {"hour": 4, "minute": 2}
